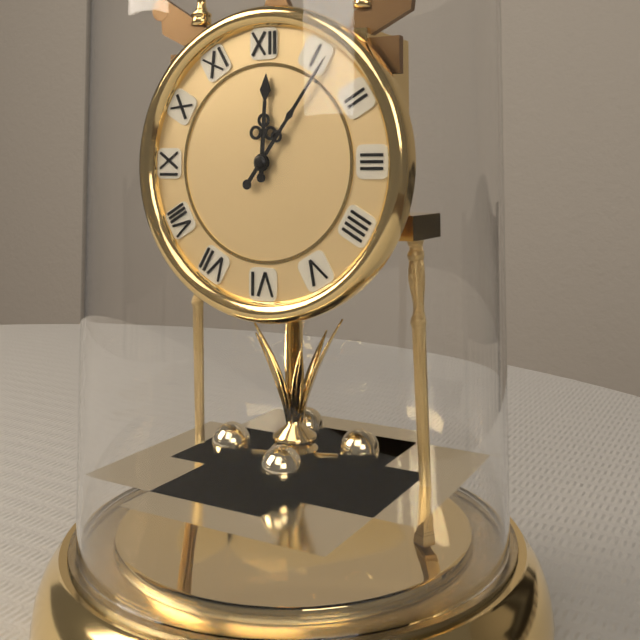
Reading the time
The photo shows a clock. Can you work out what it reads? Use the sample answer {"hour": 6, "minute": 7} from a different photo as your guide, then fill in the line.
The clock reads {"hour": 12, "minute": 6}
